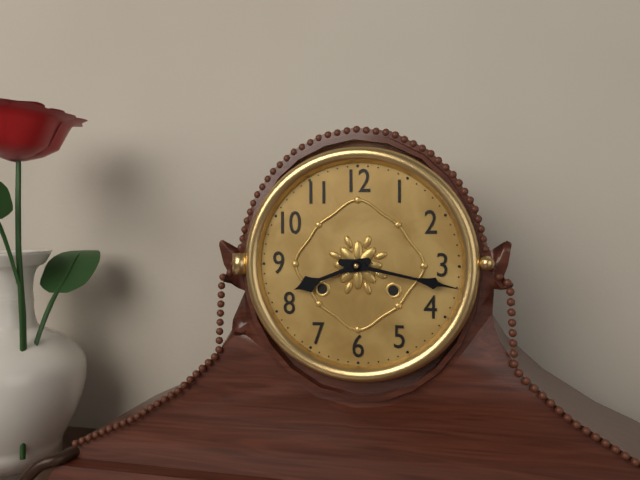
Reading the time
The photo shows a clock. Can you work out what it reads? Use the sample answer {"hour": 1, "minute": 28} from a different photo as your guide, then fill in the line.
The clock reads {"hour": 8, "minute": 17}
